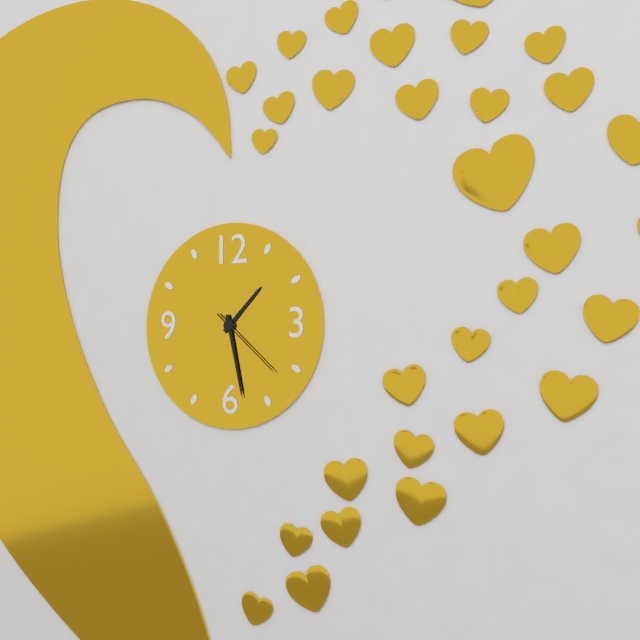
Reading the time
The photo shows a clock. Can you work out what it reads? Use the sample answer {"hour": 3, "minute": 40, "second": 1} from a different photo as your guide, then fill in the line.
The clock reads {"hour": 1, "minute": 28, "second": 22}
